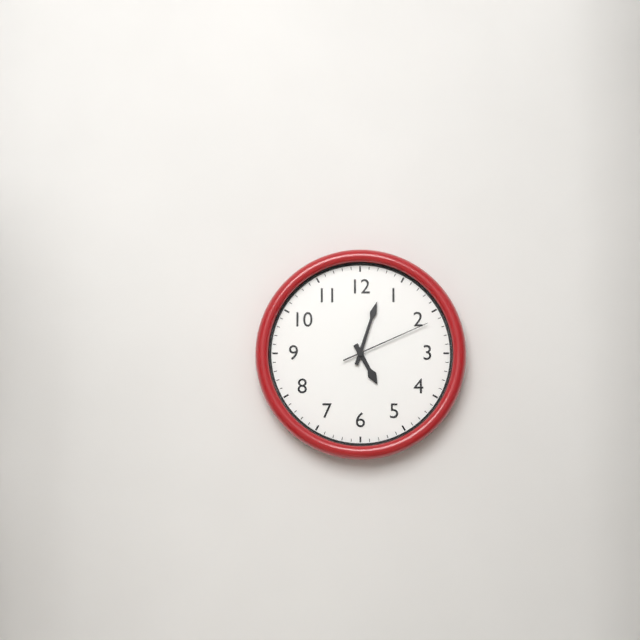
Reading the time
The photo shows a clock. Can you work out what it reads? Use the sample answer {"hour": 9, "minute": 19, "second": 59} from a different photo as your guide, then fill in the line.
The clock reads {"hour": 5, "minute": 3, "second": 11}
